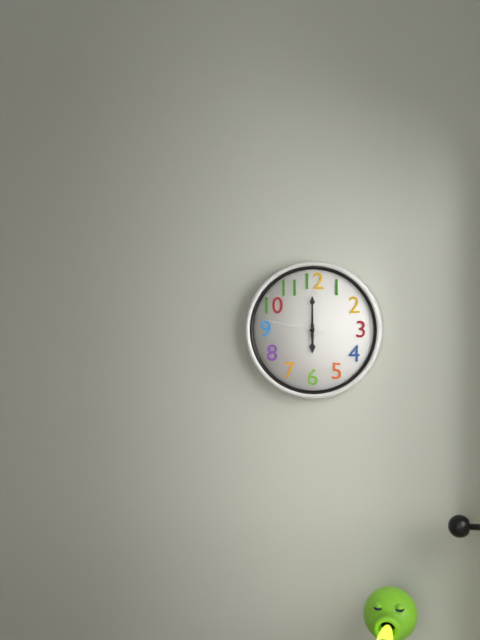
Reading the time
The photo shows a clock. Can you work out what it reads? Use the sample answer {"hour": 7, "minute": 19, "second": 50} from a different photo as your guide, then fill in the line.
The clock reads {"hour": 6, "minute": 0, "second": 47}
